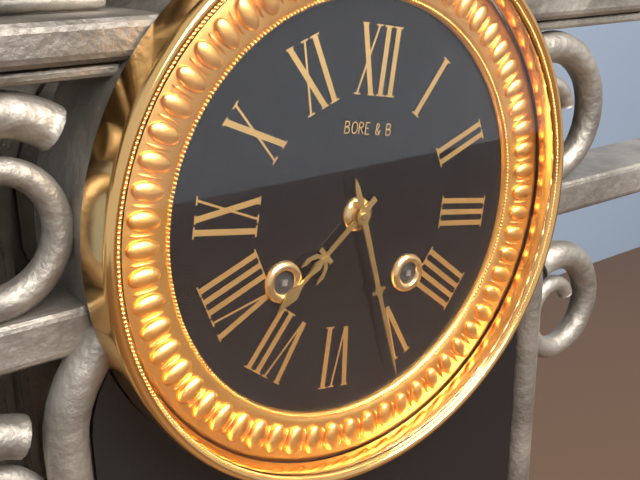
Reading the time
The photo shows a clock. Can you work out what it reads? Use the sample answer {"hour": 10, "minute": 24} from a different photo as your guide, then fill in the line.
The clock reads {"hour": 7, "minute": 26}
